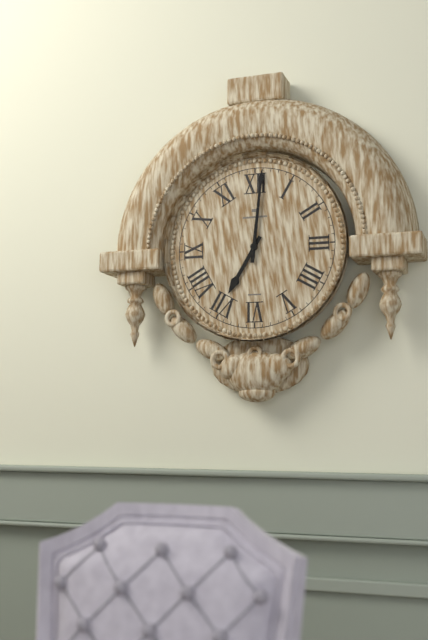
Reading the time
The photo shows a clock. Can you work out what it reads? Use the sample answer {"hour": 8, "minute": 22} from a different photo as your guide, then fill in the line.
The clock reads {"hour": 7, "minute": 1}
